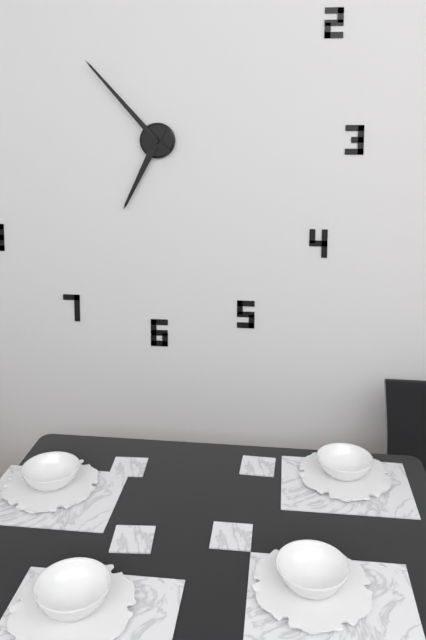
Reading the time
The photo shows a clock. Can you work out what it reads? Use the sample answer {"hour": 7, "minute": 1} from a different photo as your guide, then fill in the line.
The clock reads {"hour": 6, "minute": 53}
